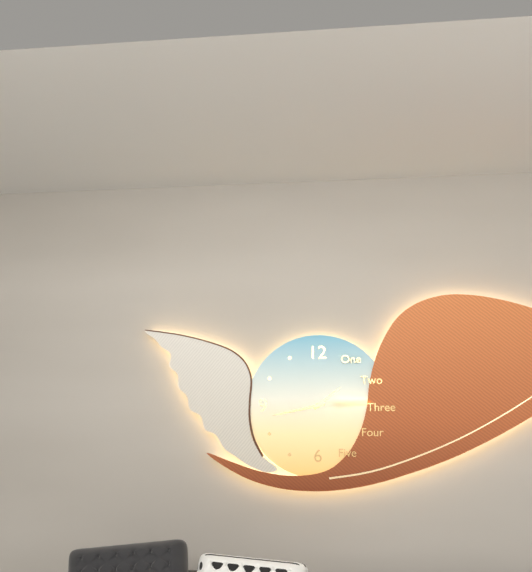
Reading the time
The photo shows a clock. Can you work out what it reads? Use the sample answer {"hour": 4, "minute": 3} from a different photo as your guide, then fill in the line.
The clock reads {"hour": 1, "minute": 43}
